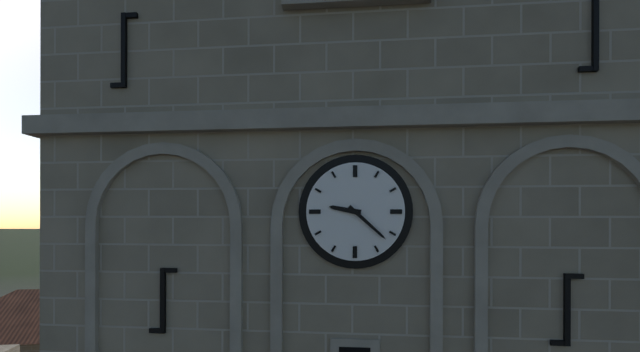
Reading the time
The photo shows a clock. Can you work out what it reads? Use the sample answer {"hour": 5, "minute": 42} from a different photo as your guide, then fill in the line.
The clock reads {"hour": 9, "minute": 22}
